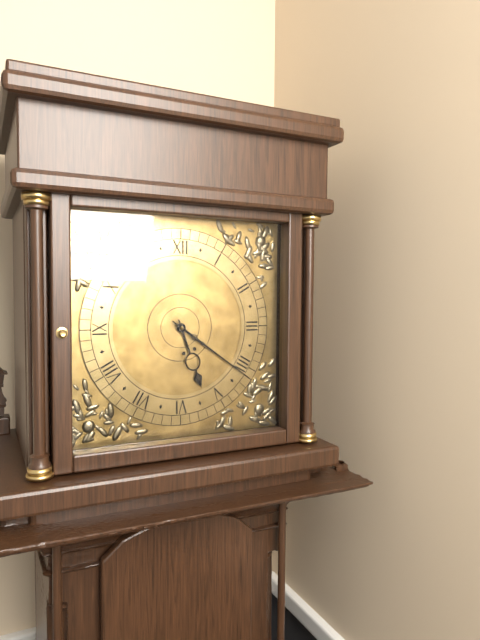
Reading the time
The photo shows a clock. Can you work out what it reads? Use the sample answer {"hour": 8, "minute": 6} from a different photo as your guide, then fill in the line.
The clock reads {"hour": 5, "minute": 21}
